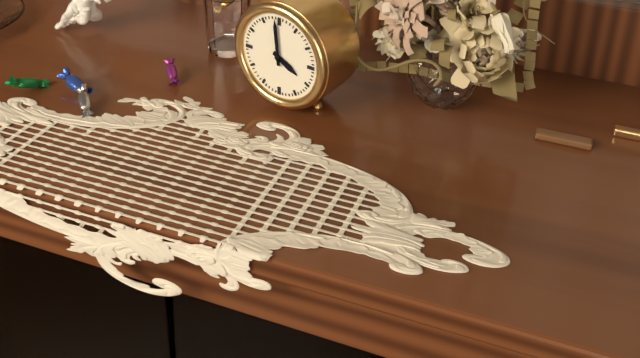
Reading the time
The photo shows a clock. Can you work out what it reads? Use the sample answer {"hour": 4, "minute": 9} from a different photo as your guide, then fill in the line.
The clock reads {"hour": 3, "minute": 59}
